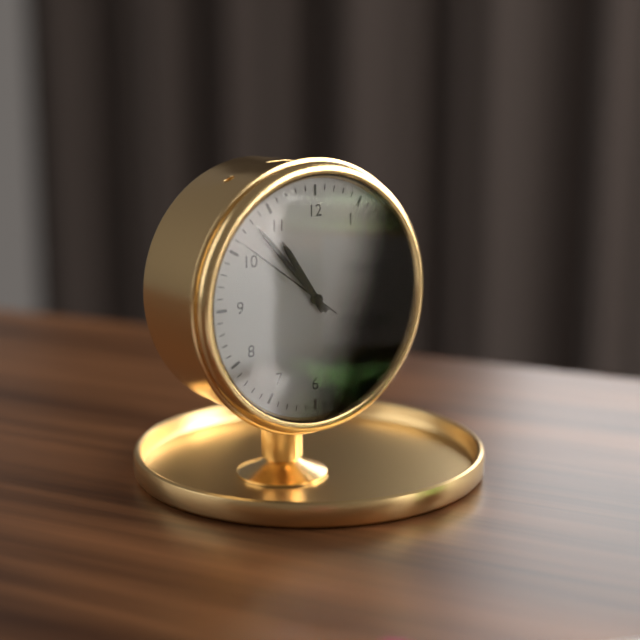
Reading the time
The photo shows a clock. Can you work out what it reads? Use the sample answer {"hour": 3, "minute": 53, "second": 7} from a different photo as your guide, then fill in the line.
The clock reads {"hour": 10, "minute": 53, "second": 51}
